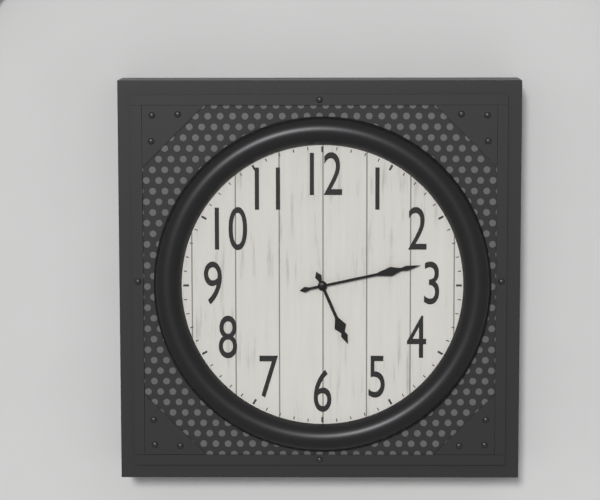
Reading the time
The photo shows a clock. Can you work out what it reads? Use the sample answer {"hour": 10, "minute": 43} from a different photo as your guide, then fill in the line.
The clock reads {"hour": 5, "minute": 13}
